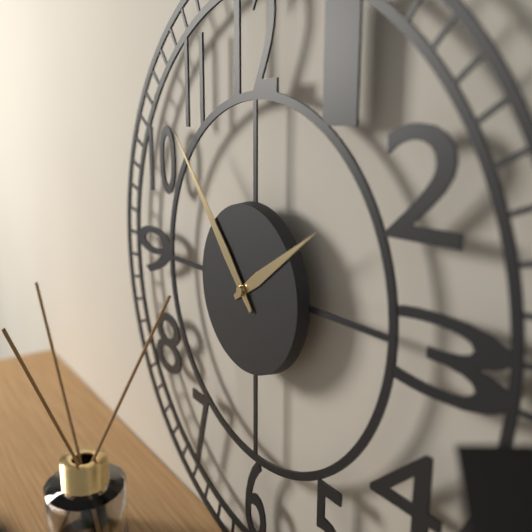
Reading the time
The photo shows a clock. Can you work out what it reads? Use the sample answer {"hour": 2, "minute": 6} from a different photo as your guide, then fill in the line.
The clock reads {"hour": 1, "minute": 53}
